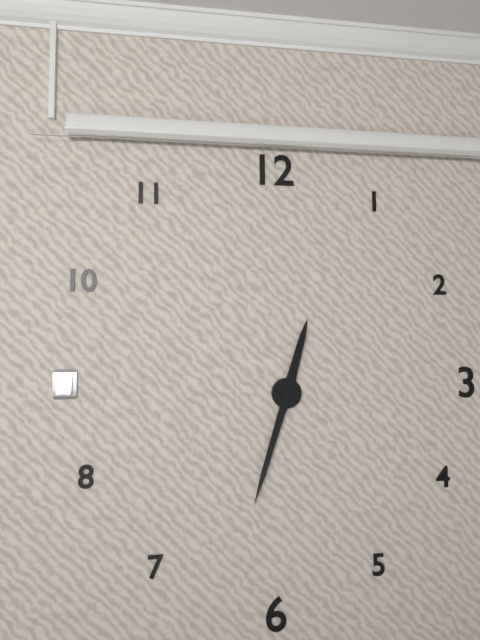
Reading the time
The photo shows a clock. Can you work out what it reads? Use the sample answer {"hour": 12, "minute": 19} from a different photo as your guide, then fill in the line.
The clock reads {"hour": 12, "minute": 33}
